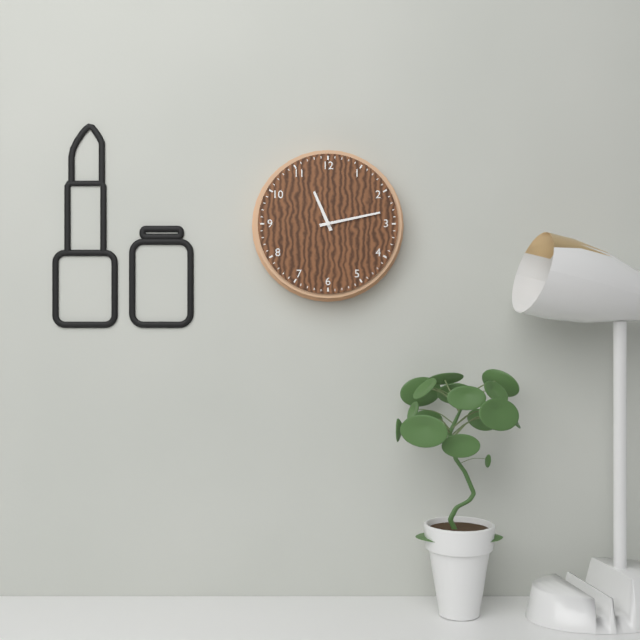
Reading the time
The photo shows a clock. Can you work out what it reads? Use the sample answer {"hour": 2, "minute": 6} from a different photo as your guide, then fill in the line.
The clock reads {"hour": 11, "minute": 13}
